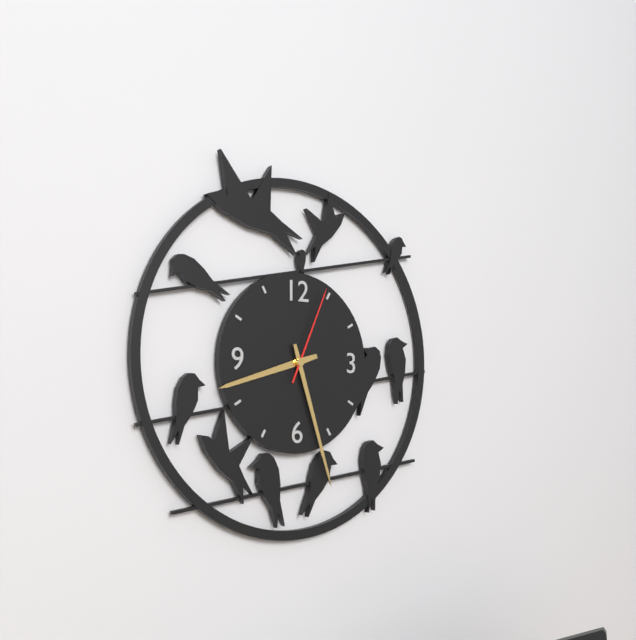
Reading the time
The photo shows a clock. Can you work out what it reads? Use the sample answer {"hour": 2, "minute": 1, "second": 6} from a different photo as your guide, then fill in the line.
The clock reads {"hour": 8, "minute": 27, "second": 4}
